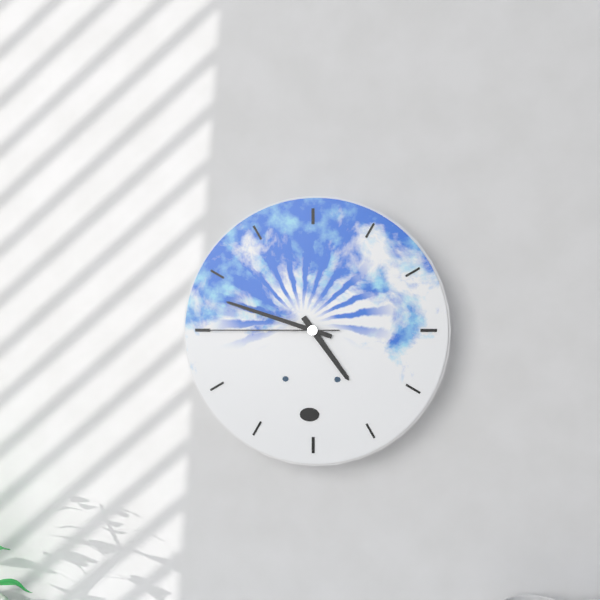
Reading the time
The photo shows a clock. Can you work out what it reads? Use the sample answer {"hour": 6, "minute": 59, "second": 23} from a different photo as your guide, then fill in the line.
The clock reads {"hour": 4, "minute": 48, "second": 45}
